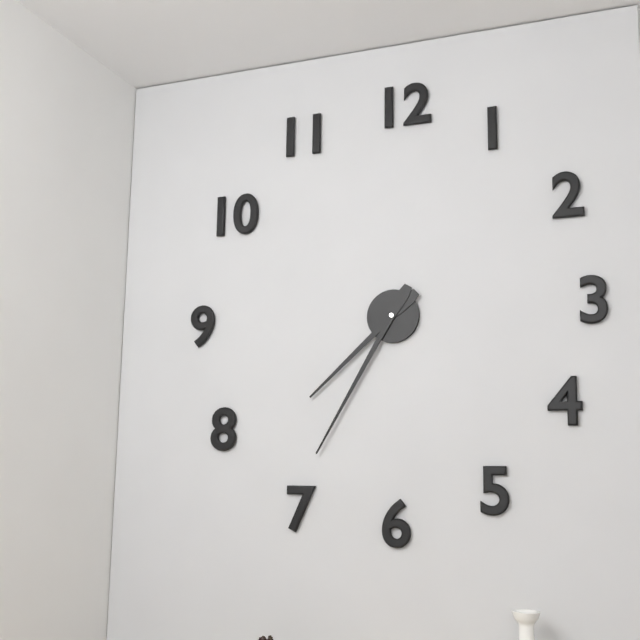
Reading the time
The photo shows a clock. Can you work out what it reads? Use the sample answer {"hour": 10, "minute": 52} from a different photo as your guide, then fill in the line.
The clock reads {"hour": 7, "minute": 35}
